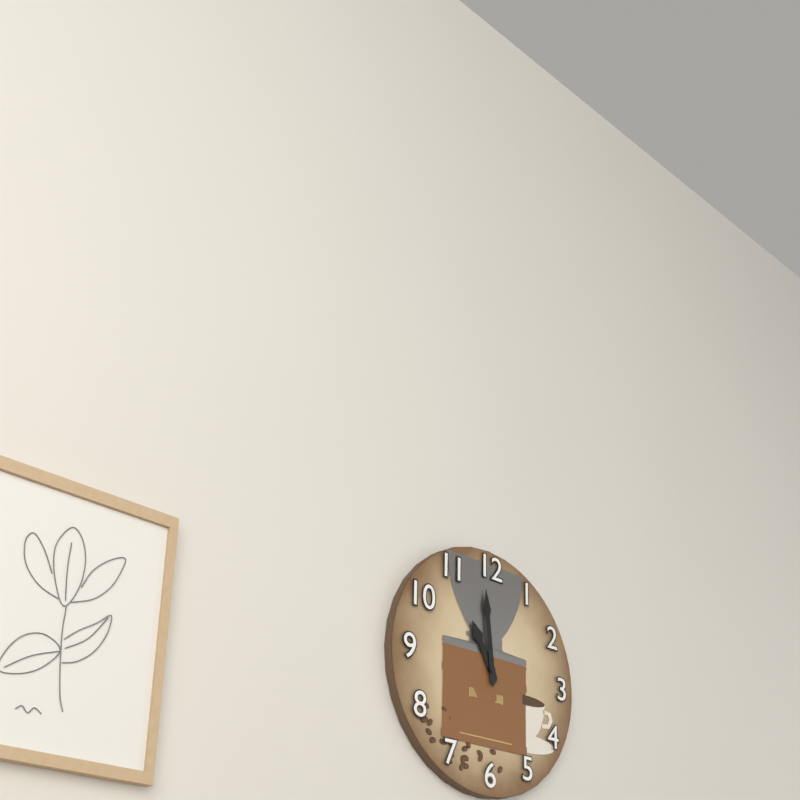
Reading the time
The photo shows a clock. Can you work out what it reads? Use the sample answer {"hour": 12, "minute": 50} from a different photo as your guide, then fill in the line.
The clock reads {"hour": 10, "minute": 59}
